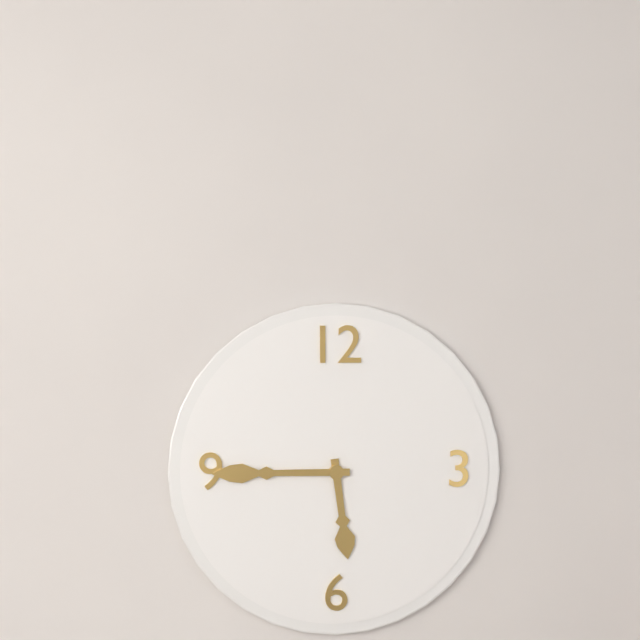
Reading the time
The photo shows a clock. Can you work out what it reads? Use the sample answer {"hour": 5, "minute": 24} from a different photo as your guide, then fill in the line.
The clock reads {"hour": 5, "minute": 45}
